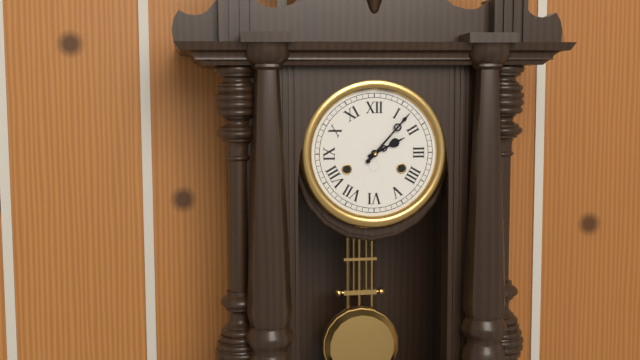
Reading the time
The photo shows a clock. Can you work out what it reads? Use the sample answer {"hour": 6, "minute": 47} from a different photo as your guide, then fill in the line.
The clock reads {"hour": 2, "minute": 7}
